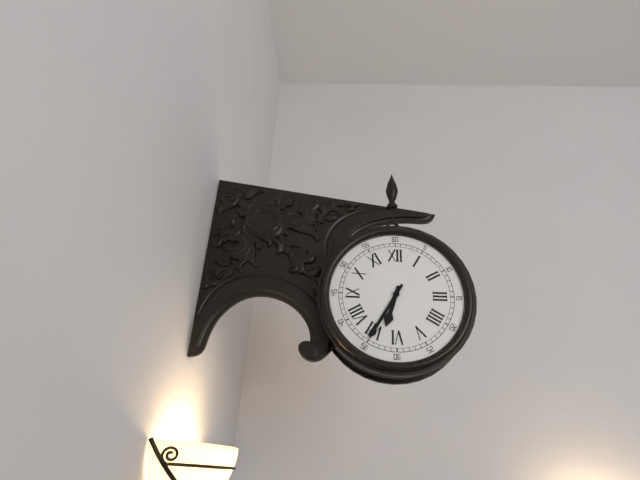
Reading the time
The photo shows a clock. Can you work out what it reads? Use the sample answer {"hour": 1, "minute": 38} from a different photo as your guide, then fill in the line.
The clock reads {"hour": 6, "minute": 35}
